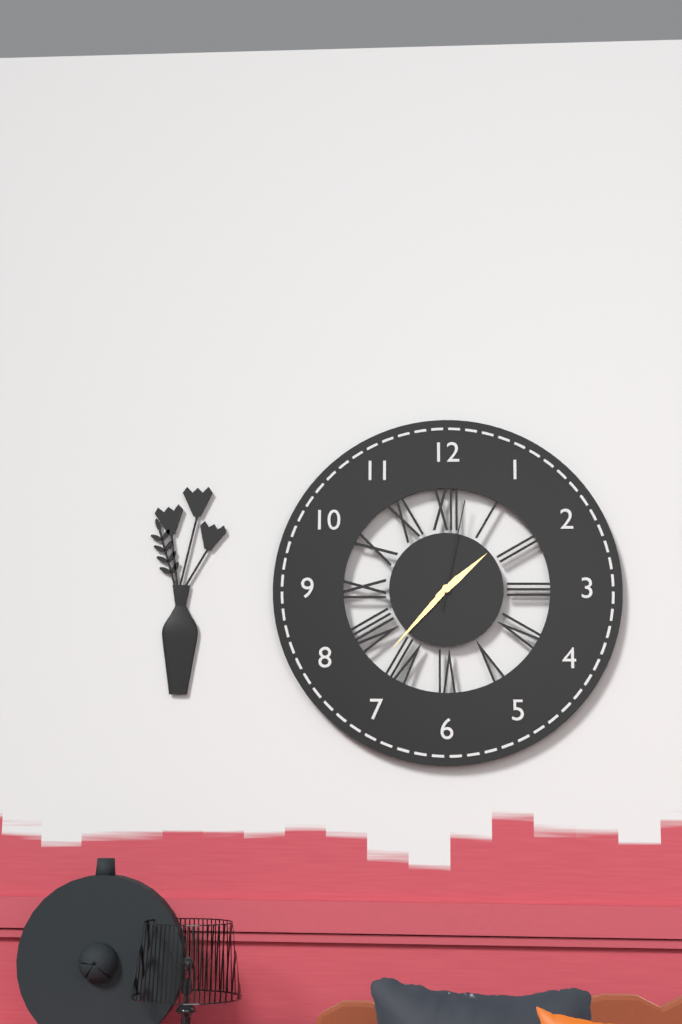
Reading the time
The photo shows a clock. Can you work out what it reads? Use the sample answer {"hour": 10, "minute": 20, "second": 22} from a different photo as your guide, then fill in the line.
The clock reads {"hour": 1, "minute": 37, "second": 2}
